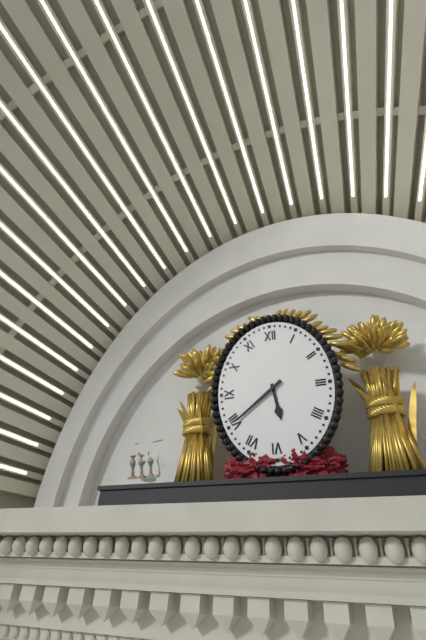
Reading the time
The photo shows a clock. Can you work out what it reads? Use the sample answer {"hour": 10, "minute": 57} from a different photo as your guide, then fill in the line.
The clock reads {"hour": 5, "minute": 39}
